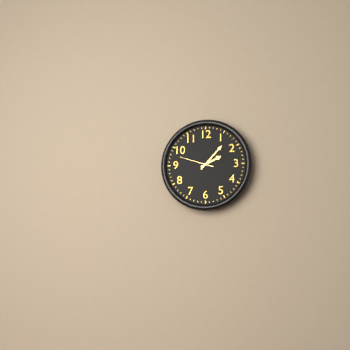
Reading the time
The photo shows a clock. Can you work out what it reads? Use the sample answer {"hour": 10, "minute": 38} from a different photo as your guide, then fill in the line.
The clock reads {"hour": 2, "minute": 7}
